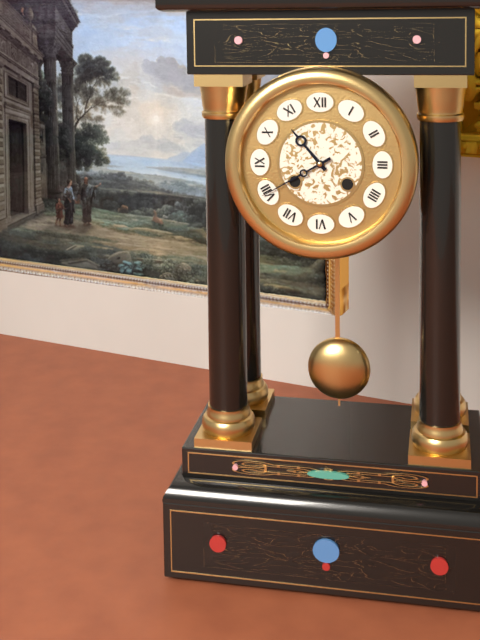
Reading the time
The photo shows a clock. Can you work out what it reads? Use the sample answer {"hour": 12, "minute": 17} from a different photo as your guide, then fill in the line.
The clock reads {"hour": 10, "minute": 40}
